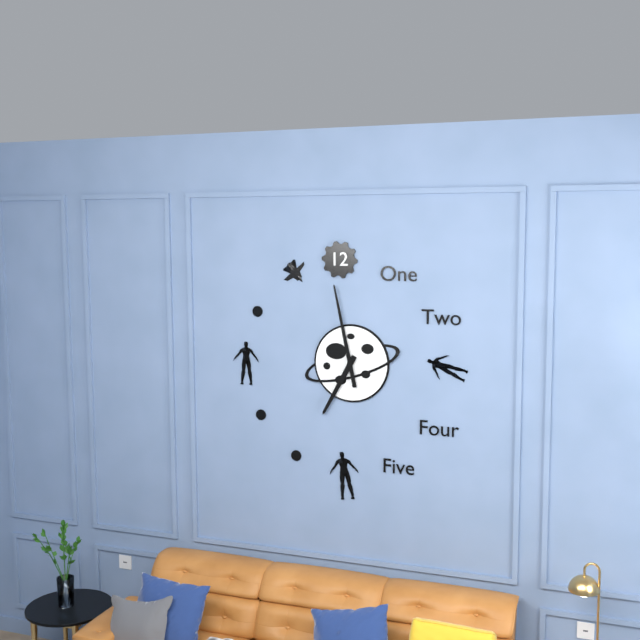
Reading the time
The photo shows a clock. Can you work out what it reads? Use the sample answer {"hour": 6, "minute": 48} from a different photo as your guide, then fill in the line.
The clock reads {"hour": 6, "minute": 58}
